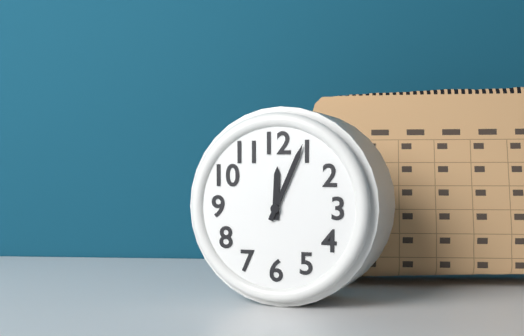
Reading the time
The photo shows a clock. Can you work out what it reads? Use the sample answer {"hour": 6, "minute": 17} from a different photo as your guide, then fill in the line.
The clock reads {"hour": 12, "minute": 4}
